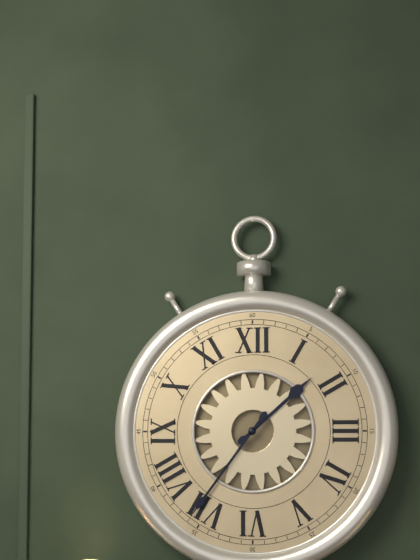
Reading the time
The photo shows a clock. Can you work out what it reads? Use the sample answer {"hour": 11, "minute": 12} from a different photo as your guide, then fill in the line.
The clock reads {"hour": 1, "minute": 36}
